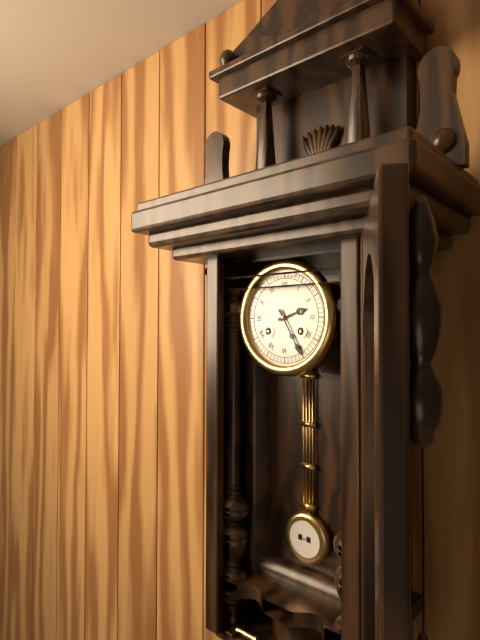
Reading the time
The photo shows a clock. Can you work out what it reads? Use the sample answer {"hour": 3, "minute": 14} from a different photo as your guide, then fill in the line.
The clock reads {"hour": 2, "minute": 25}
